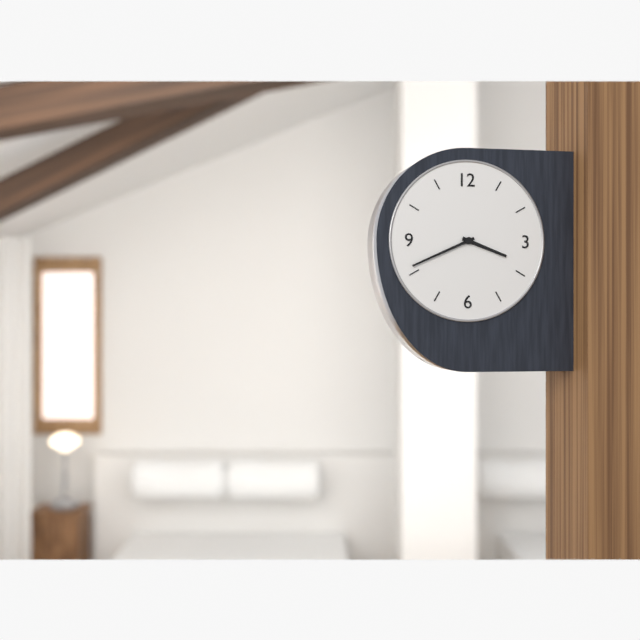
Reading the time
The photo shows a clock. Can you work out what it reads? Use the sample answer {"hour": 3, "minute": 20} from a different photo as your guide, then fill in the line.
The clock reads {"hour": 3, "minute": 41}
